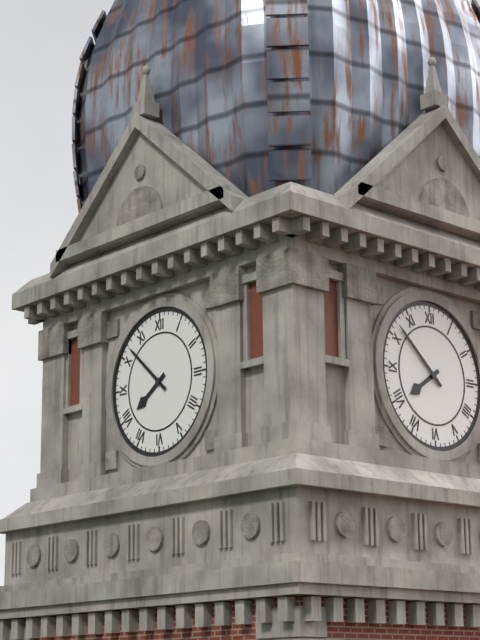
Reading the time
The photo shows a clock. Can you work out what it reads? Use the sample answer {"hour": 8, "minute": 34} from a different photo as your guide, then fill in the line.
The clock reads {"hour": 7, "minute": 52}
